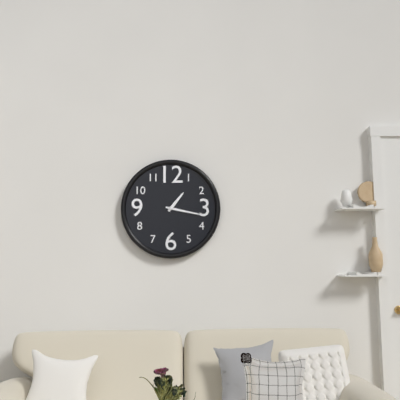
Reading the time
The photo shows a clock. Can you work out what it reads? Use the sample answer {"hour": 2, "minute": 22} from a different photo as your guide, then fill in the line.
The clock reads {"hour": 1, "minute": 17}
